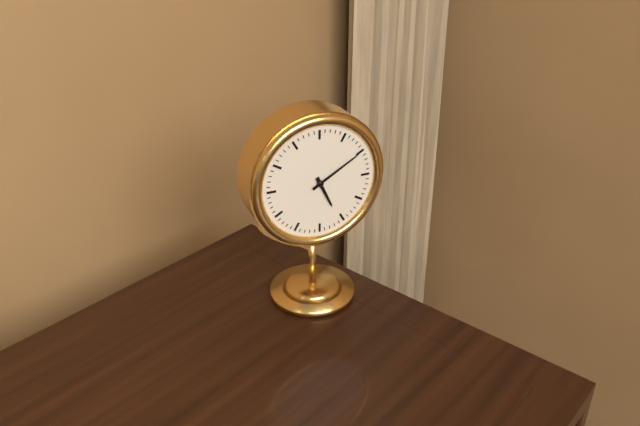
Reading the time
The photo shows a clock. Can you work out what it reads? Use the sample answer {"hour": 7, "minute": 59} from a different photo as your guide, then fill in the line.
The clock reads {"hour": 5, "minute": 10}
